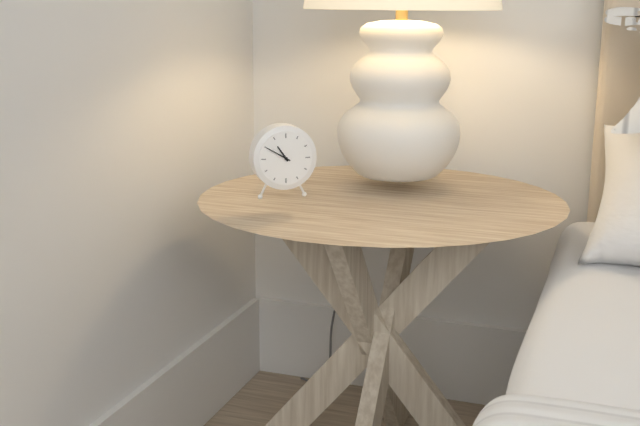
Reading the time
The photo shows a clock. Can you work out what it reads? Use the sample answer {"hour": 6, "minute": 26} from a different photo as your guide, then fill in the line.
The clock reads {"hour": 10, "minute": 50}
